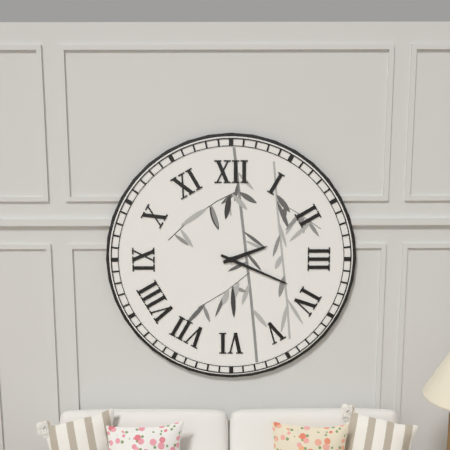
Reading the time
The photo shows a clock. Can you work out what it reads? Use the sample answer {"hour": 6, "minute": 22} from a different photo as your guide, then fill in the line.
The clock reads {"hour": 2, "minute": 19}
